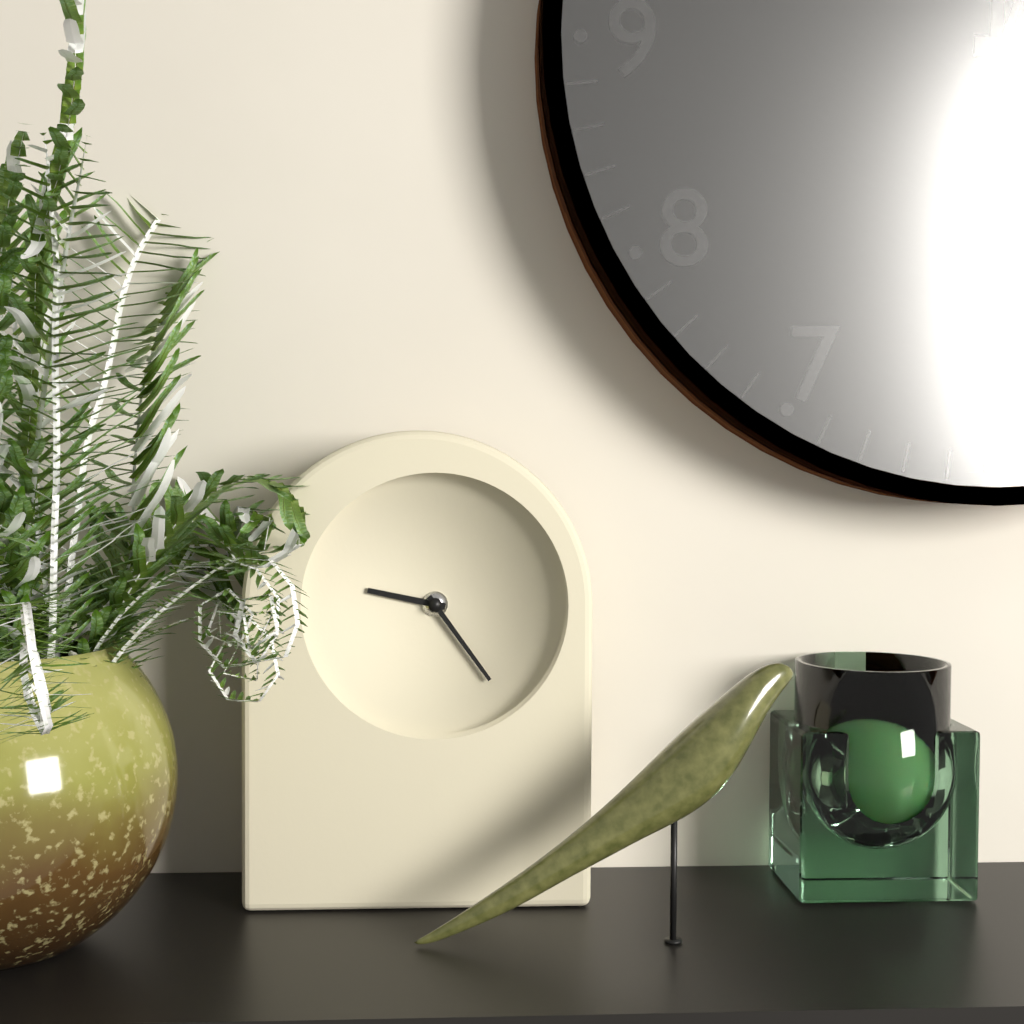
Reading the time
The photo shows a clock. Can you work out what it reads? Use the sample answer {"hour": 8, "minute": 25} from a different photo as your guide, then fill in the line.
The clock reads {"hour": 9, "minute": 24}
